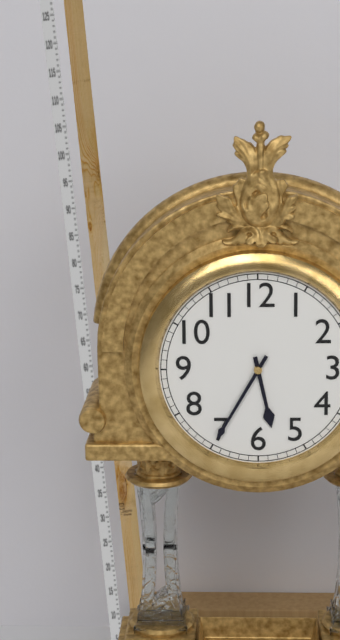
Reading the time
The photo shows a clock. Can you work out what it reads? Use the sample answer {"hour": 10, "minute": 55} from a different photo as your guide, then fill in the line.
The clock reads {"hour": 5, "minute": 35}
